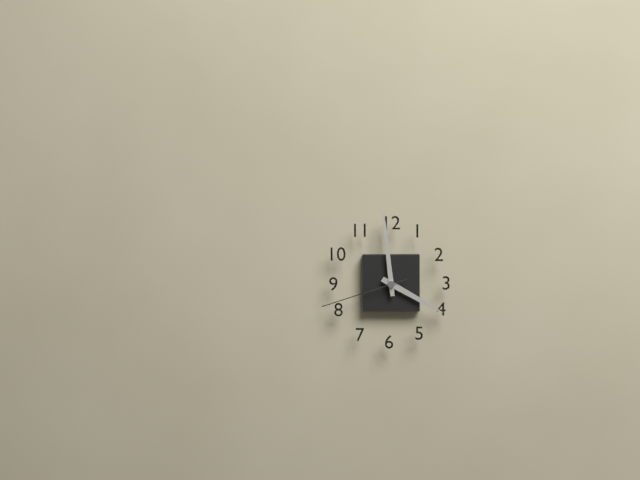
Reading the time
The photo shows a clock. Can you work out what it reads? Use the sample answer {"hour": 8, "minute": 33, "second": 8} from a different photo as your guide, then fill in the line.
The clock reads {"hour": 3, "minute": 59, "second": 42}
